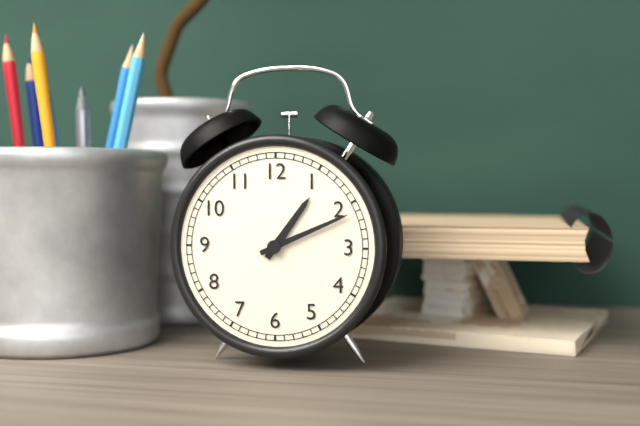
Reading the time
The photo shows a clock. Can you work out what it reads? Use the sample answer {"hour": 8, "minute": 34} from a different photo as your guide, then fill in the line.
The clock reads {"hour": 1, "minute": 11}
